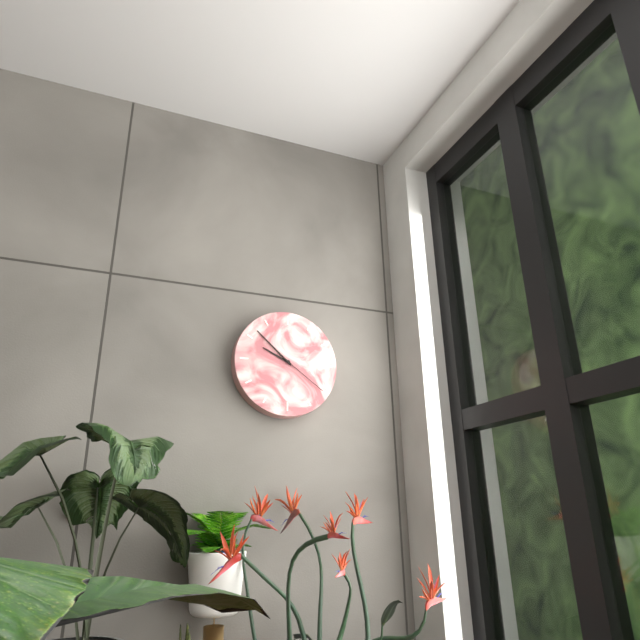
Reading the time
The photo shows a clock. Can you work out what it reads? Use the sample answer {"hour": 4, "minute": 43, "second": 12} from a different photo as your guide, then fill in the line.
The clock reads {"hour": 9, "minute": 52, "second": 21}
